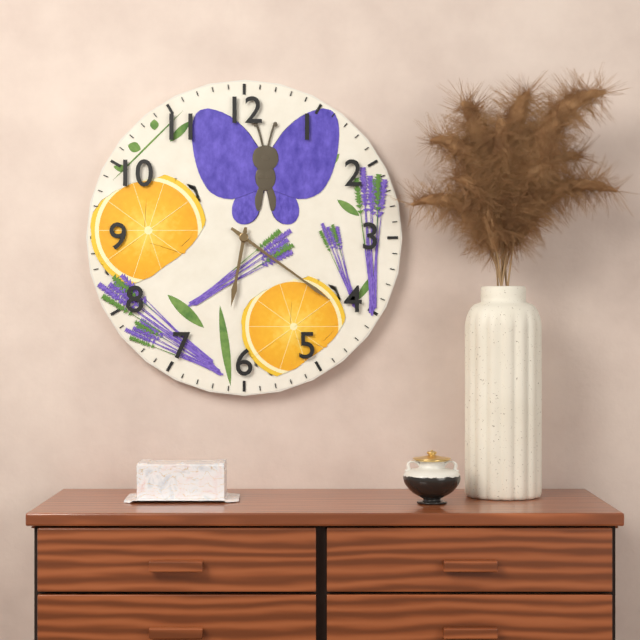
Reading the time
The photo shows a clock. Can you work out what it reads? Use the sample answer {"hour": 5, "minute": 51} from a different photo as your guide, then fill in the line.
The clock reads {"hour": 6, "minute": 21}
